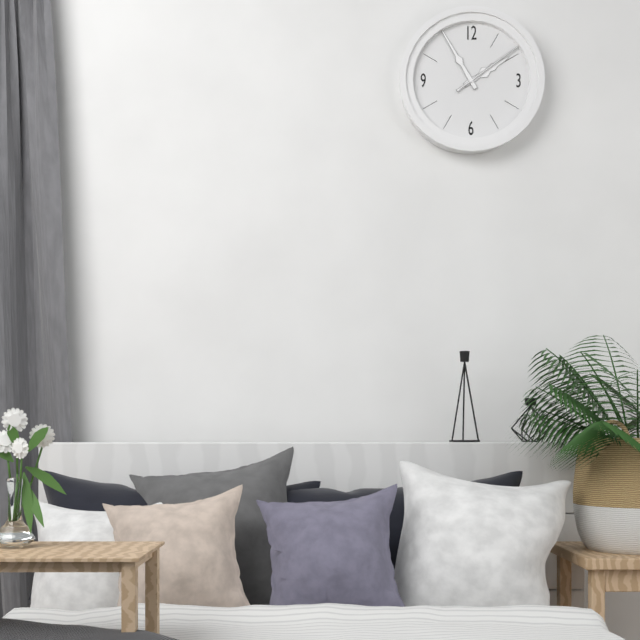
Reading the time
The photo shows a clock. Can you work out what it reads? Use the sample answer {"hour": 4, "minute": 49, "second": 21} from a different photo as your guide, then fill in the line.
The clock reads {"hour": 1, "minute": 55, "second": 9}
